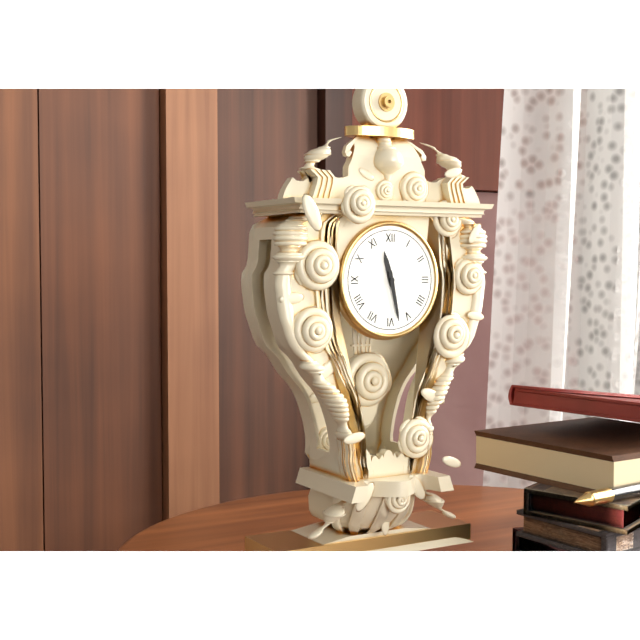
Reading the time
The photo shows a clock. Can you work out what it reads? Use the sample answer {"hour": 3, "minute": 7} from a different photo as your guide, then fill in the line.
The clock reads {"hour": 11, "minute": 28}
